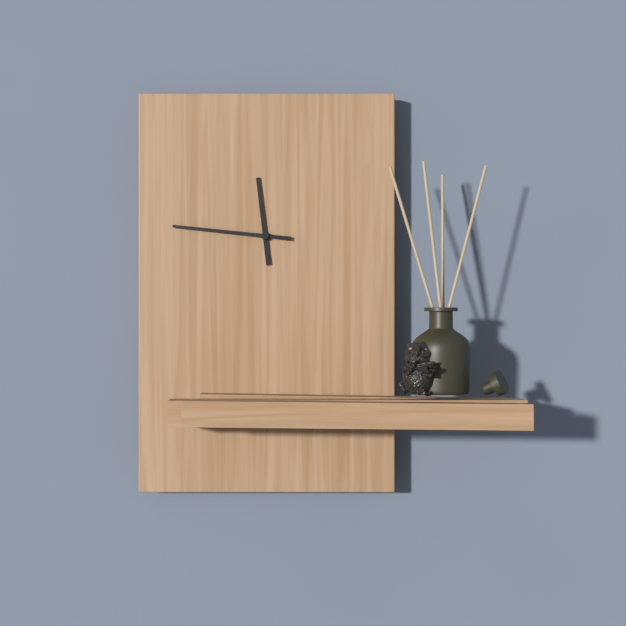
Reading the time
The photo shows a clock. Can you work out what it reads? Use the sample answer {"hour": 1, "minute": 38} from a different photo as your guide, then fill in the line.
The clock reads {"hour": 11, "minute": 46}
